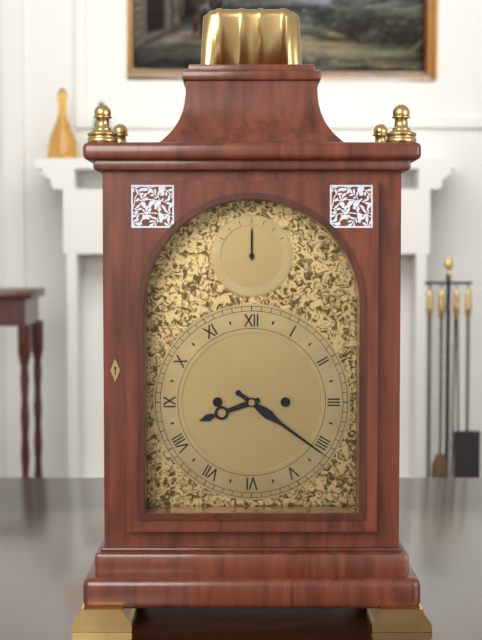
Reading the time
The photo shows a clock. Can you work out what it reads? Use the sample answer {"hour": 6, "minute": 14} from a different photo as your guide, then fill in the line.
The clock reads {"hour": 8, "minute": 21}
